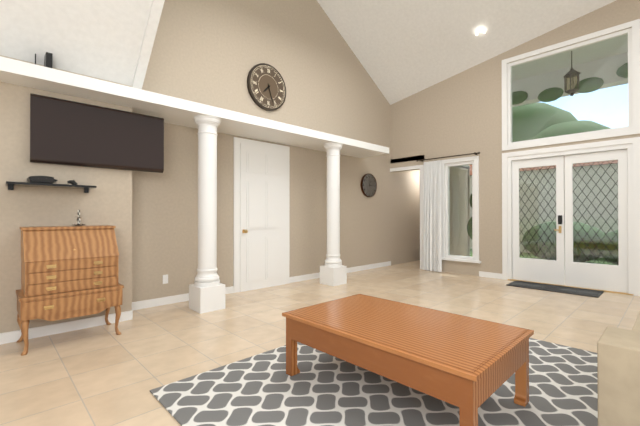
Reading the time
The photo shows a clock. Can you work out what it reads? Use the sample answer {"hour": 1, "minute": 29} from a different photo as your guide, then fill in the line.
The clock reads {"hour": 7, "minute": 27}
